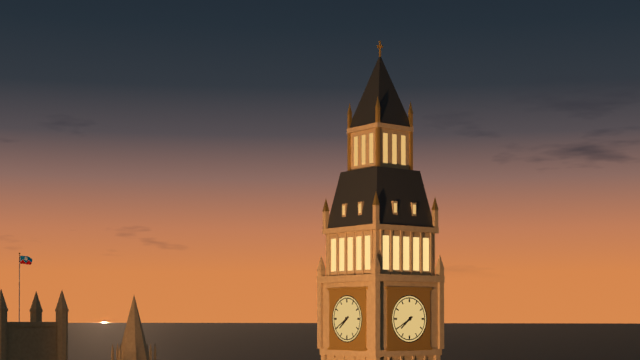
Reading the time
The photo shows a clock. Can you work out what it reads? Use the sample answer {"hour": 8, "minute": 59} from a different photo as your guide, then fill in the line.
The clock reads {"hour": 7, "minute": 40}
